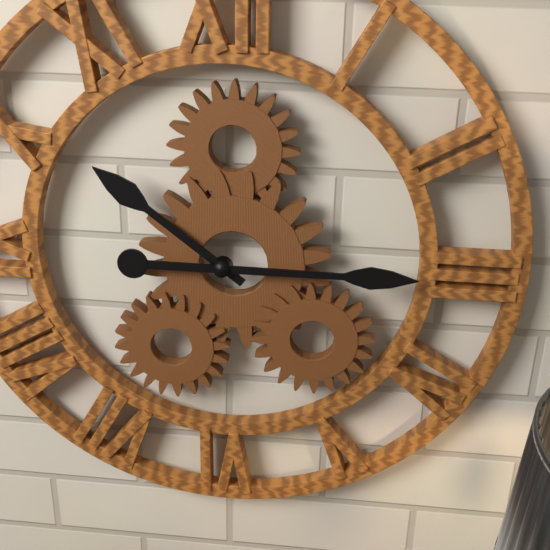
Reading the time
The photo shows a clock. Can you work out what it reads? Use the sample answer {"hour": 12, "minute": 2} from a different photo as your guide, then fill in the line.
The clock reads {"hour": 10, "minute": 15}
